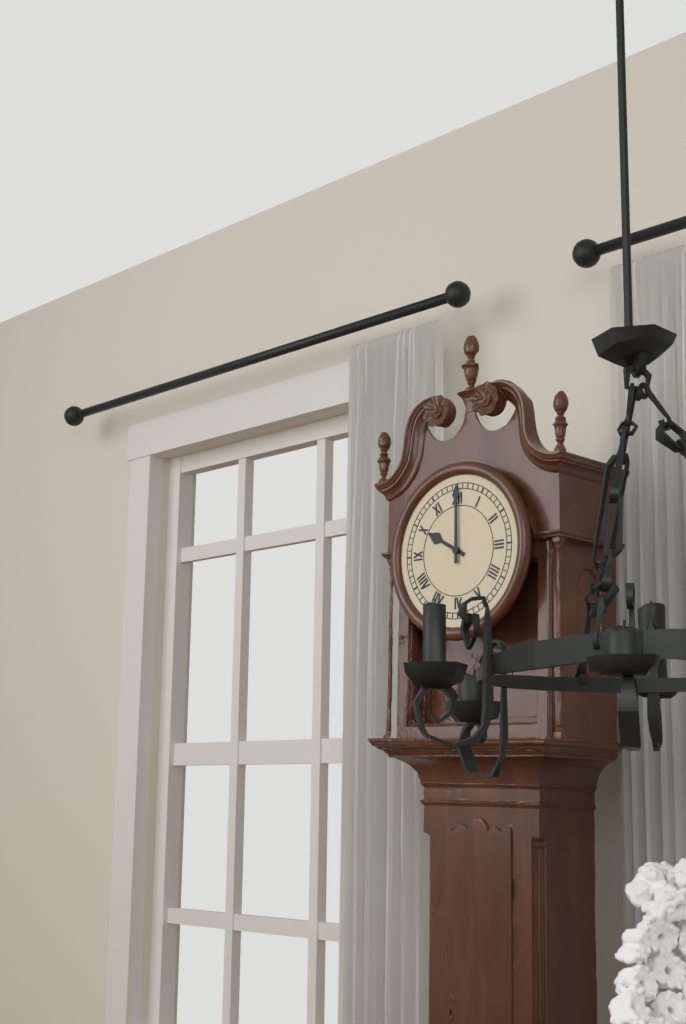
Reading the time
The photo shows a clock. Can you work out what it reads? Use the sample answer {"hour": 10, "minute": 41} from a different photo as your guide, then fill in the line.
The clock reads {"hour": 10, "minute": 0}
